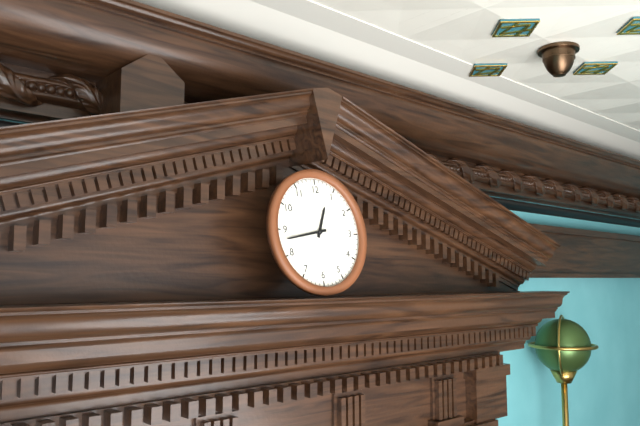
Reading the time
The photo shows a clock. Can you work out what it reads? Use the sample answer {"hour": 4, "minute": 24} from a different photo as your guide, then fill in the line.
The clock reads {"hour": 12, "minute": 43}
